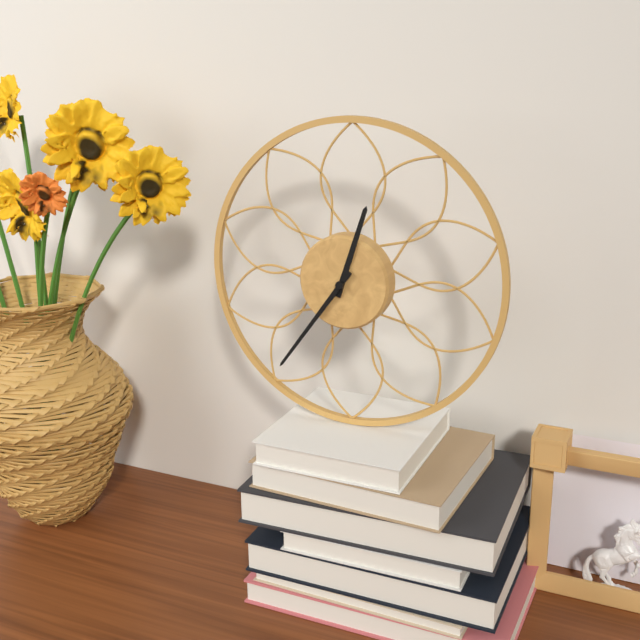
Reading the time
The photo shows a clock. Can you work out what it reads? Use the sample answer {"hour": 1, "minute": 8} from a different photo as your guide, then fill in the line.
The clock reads {"hour": 12, "minute": 36}
